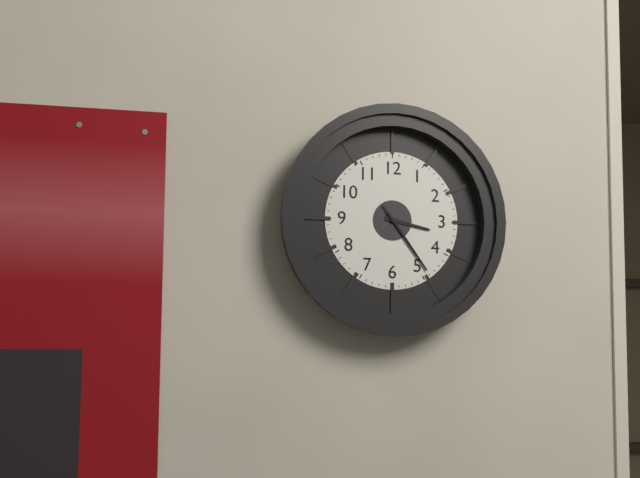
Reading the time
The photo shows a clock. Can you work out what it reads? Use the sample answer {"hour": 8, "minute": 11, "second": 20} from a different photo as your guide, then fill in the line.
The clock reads {"hour": 3, "minute": 24, "second": 24}
